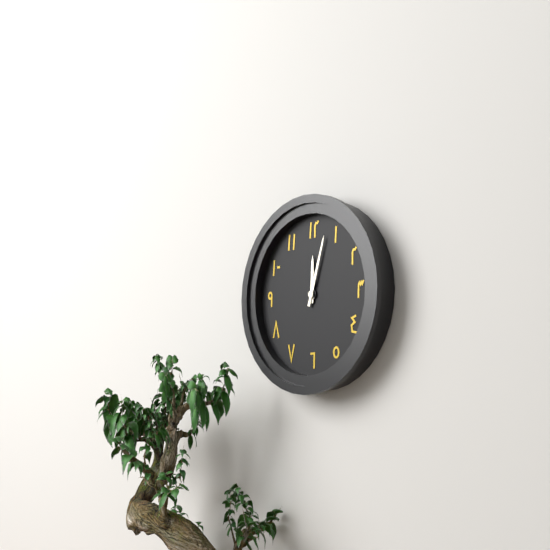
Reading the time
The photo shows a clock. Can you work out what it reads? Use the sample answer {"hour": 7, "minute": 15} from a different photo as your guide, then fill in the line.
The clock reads {"hour": 12, "minute": 3}
